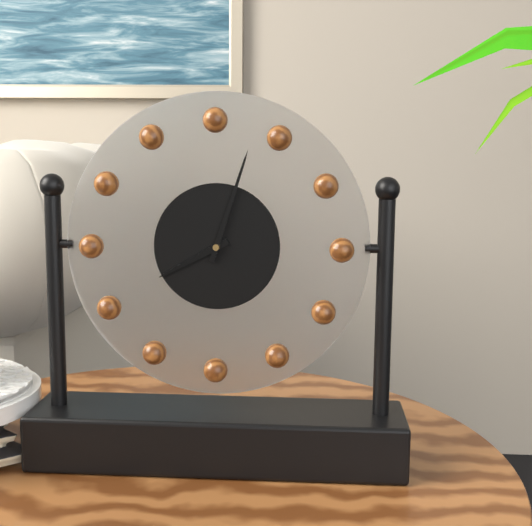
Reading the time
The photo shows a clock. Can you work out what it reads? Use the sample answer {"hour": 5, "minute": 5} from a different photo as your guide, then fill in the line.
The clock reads {"hour": 8, "minute": 3}
